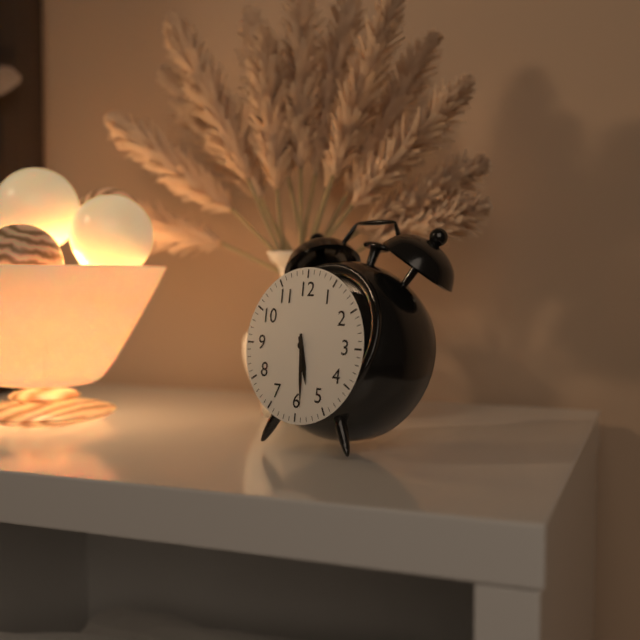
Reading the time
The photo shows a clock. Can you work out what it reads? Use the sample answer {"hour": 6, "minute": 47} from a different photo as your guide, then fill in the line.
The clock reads {"hour": 5, "minute": 29}
